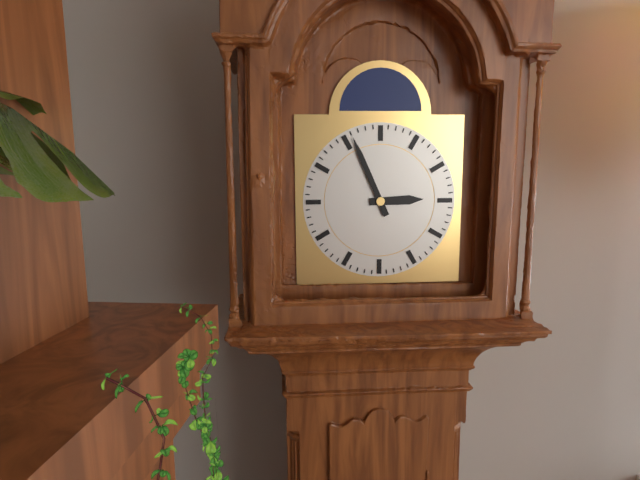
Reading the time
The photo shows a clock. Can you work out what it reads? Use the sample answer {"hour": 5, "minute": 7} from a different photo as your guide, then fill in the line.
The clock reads {"hour": 2, "minute": 56}
